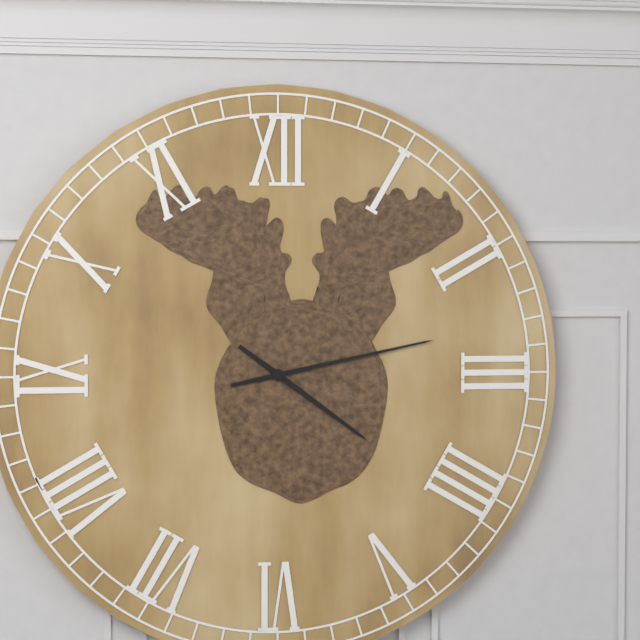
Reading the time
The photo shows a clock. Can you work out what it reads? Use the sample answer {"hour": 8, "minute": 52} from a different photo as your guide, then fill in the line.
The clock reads {"hour": 4, "minute": 13}
